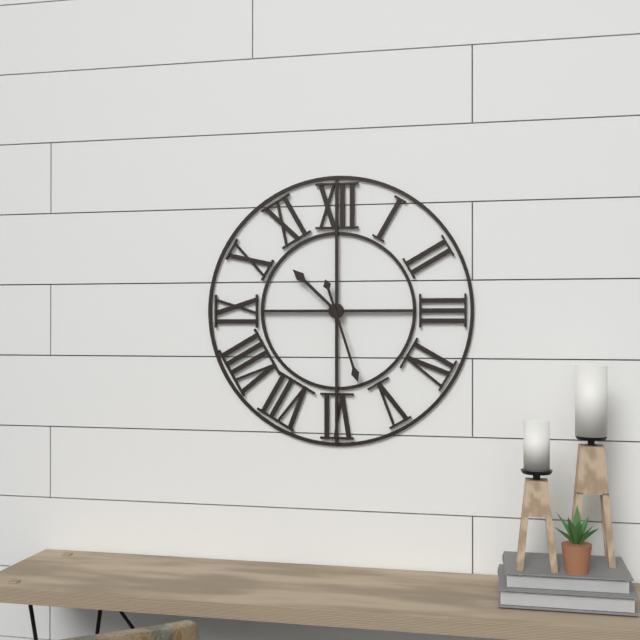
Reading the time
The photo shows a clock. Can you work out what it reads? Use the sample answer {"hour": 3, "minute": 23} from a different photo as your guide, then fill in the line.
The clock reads {"hour": 10, "minute": 27}
